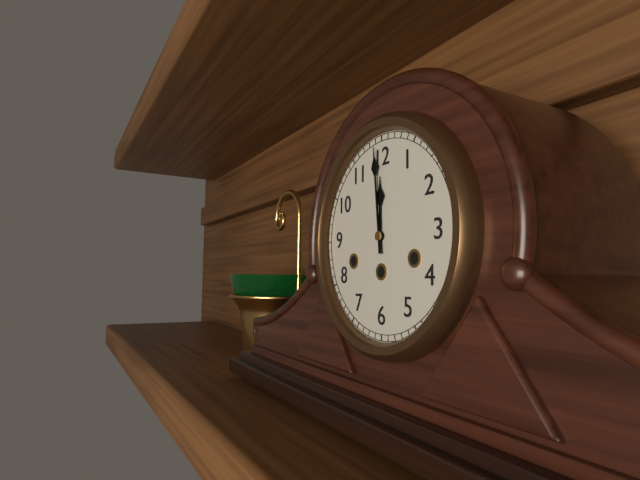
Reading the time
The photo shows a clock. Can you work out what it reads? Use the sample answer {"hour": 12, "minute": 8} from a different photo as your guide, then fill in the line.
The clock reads {"hour": 11, "minute": 59}
